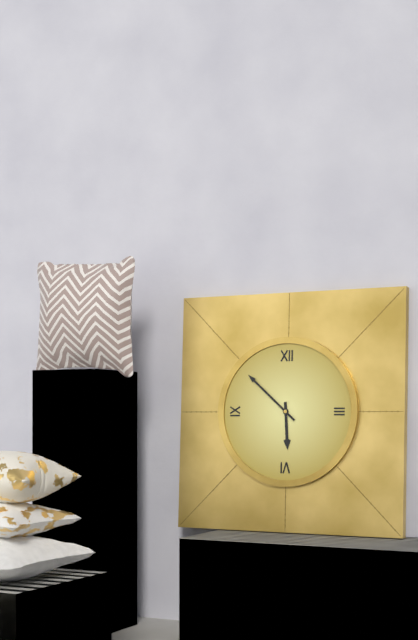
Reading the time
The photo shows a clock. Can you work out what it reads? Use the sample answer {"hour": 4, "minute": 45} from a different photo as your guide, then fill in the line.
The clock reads {"hour": 5, "minute": 52}
